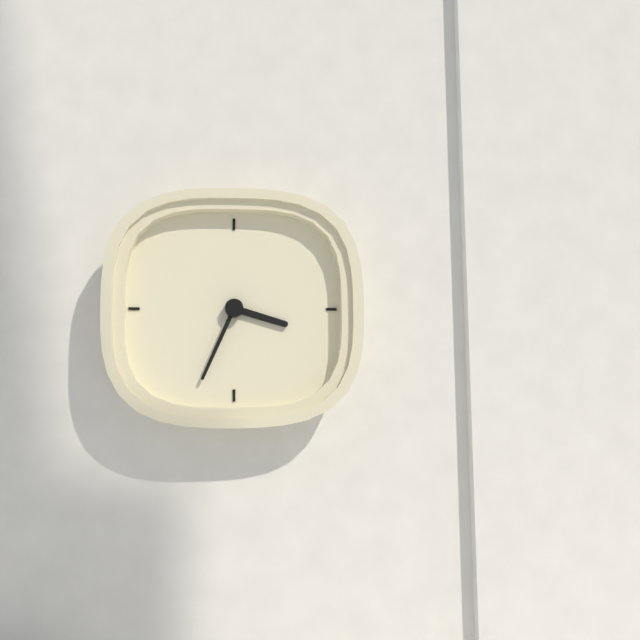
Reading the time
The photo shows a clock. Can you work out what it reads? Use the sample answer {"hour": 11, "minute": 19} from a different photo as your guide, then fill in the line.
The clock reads {"hour": 3, "minute": 34}
